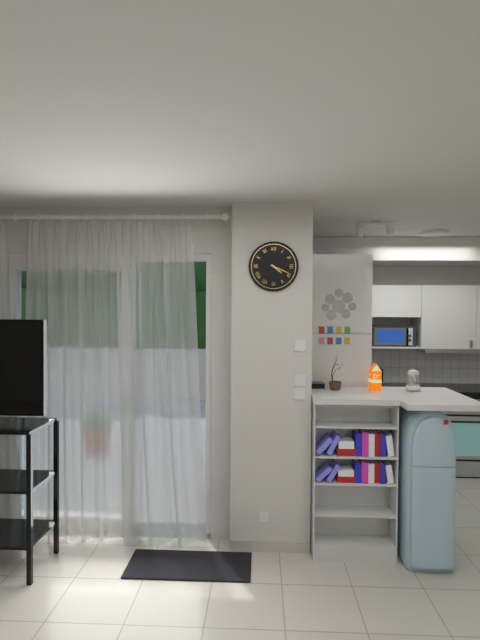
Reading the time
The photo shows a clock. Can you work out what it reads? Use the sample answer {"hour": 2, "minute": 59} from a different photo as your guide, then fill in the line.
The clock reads {"hour": 4, "minute": 19}
